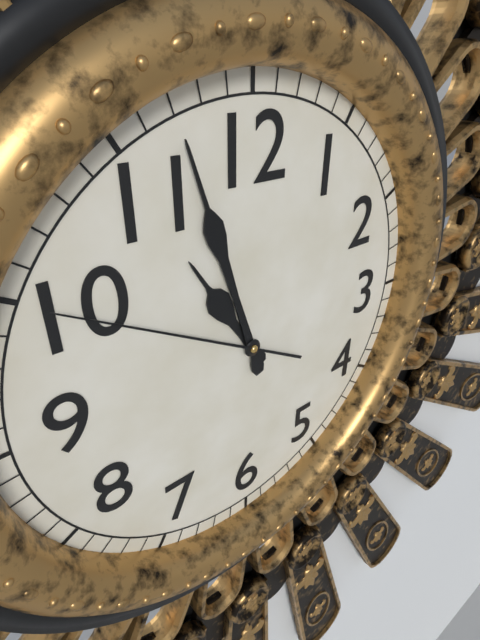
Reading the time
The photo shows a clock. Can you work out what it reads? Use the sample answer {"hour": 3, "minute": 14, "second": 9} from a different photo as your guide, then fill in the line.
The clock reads {"hour": 10, "minute": 57, "second": 50}
